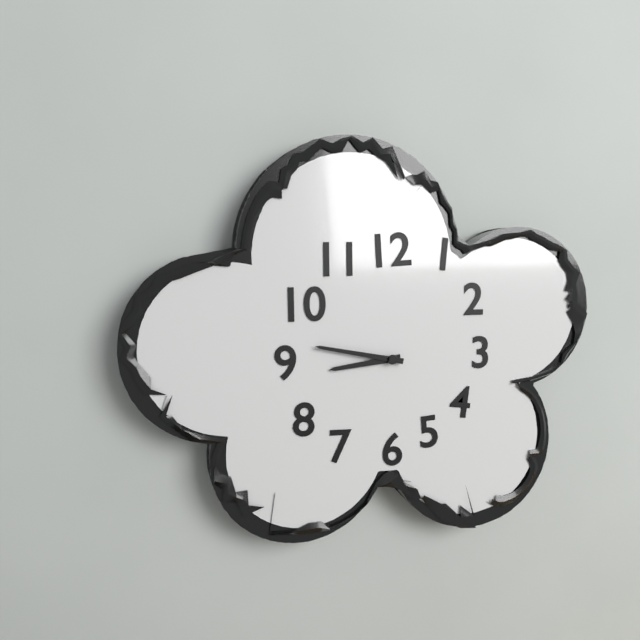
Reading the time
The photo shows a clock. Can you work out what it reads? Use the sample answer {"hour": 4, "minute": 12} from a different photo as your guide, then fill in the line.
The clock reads {"hour": 8, "minute": 47}
